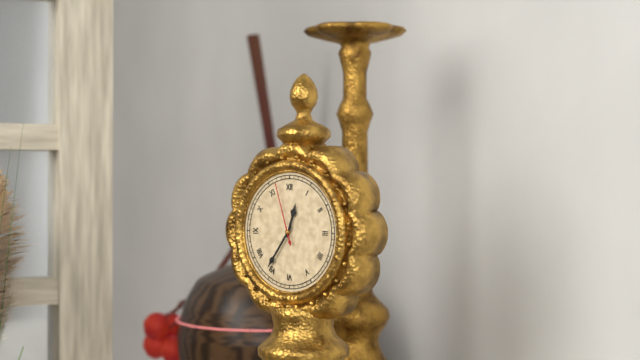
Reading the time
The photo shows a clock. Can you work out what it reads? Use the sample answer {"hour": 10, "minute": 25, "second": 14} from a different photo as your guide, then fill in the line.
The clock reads {"hour": 12, "minute": 36, "second": 57}
